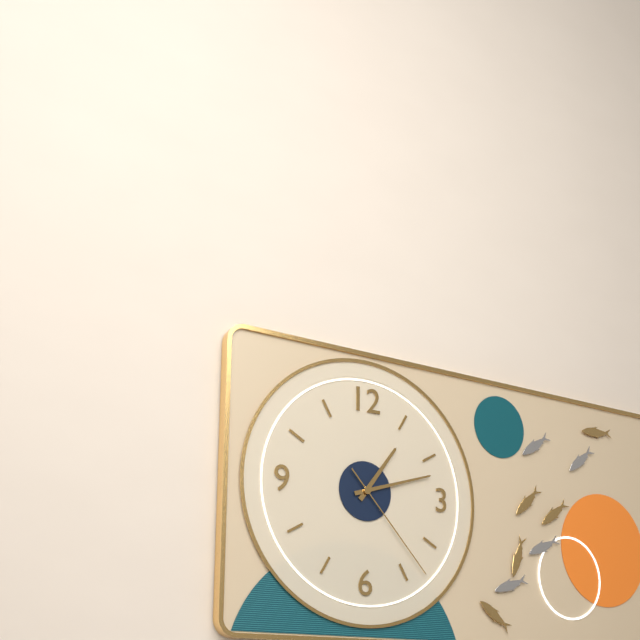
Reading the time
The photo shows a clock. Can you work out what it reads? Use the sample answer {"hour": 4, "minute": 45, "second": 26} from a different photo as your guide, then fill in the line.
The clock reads {"hour": 1, "minute": 12, "second": 23}
